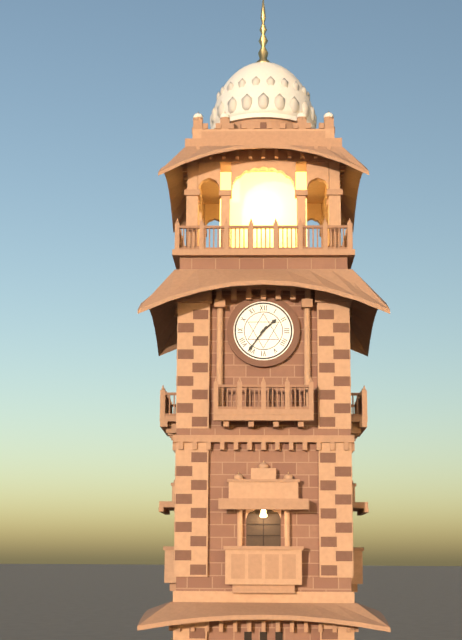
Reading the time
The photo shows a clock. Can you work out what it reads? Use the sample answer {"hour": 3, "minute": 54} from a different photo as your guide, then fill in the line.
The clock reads {"hour": 1, "minute": 36}
